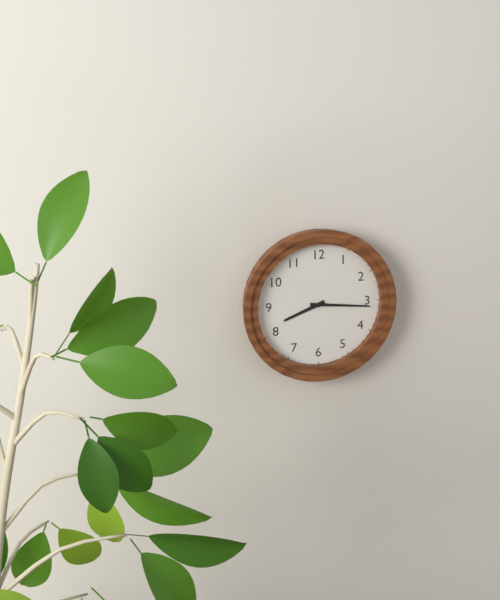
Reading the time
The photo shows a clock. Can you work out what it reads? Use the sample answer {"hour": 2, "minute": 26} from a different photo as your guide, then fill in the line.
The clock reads {"hour": 8, "minute": 16}
